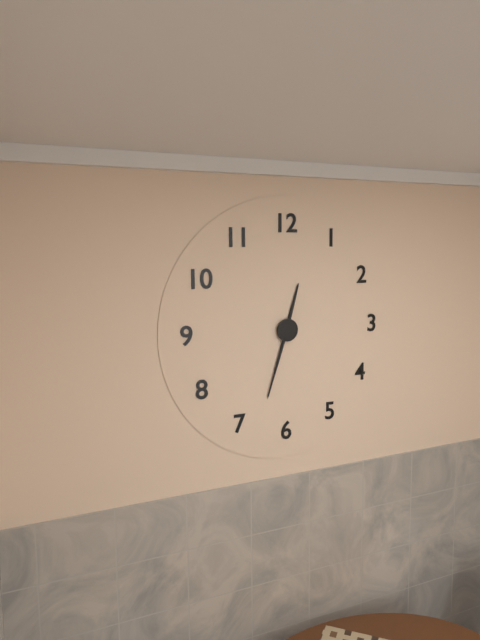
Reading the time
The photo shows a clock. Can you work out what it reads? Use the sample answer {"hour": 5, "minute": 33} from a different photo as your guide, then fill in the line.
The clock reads {"hour": 12, "minute": 33}
